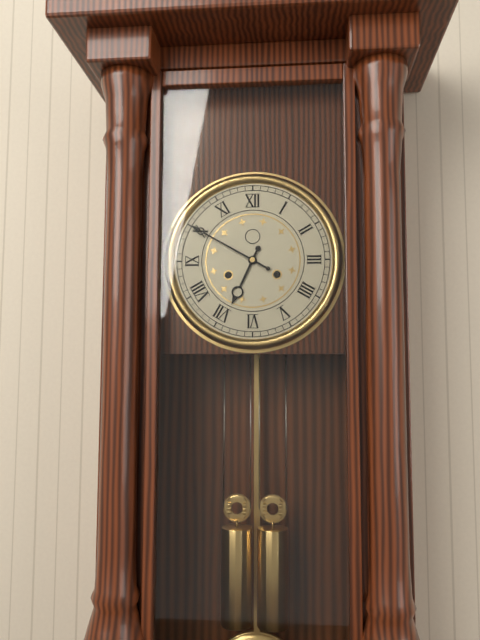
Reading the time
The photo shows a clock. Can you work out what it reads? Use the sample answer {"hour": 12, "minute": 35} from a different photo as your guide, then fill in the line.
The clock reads {"hour": 6, "minute": 50}
